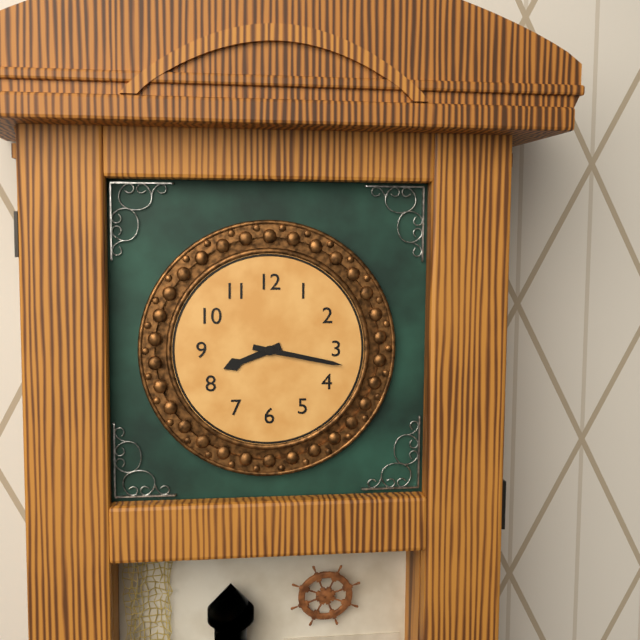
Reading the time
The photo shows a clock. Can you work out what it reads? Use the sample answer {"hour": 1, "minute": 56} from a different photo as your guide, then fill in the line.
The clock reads {"hour": 8, "minute": 17}
